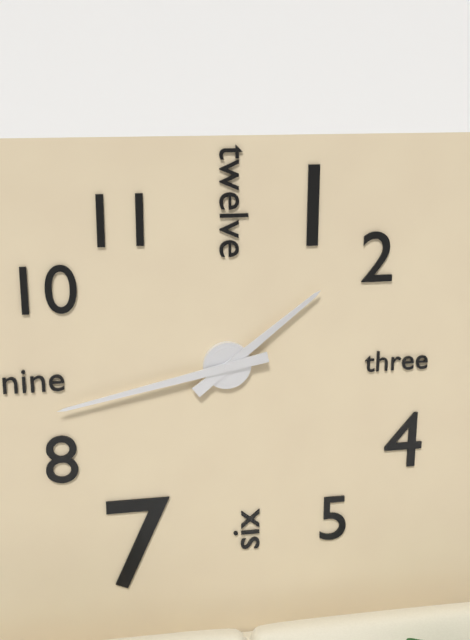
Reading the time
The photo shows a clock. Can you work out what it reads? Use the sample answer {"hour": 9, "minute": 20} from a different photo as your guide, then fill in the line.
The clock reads {"hour": 1, "minute": 43}
